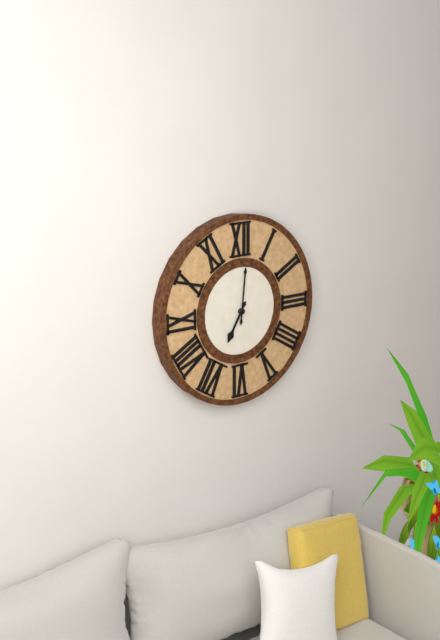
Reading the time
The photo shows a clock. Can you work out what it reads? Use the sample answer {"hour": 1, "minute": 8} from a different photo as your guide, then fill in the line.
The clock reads {"hour": 7, "minute": 1}
